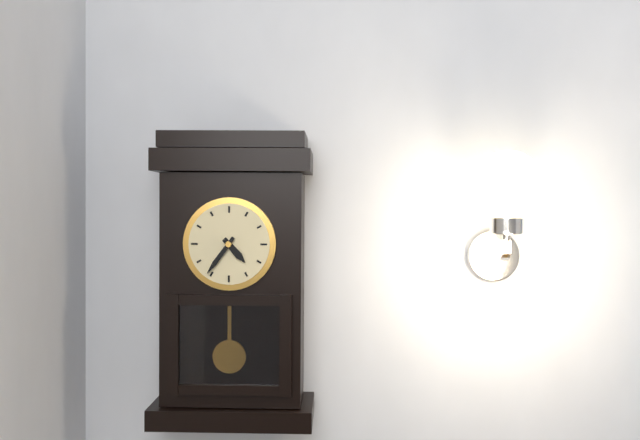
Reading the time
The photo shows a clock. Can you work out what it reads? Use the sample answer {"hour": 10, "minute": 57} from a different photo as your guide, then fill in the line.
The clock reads {"hour": 4, "minute": 36}
